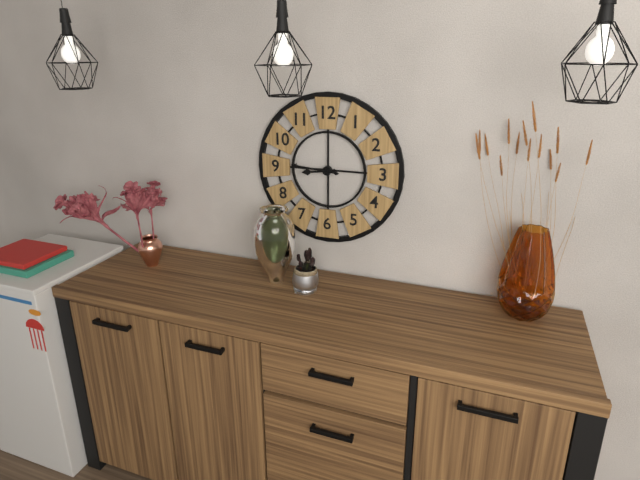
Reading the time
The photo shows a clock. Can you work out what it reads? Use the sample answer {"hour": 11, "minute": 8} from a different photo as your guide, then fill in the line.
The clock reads {"hour": 8, "minute": 46}
